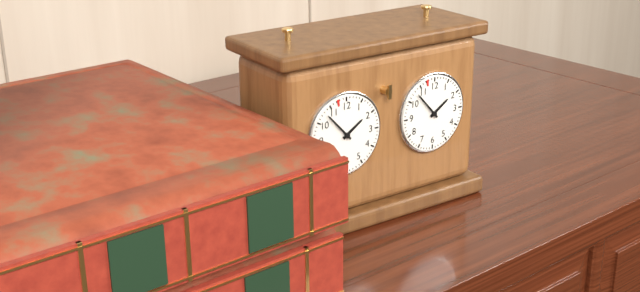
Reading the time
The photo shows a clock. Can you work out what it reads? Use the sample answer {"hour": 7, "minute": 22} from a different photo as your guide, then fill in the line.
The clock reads {"hour": 1, "minute": 53}
